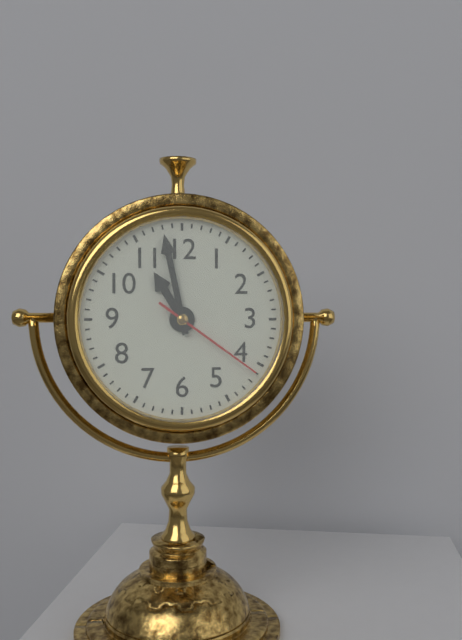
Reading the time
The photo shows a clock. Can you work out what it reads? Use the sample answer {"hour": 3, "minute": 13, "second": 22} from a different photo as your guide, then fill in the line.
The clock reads {"hour": 10, "minute": 58, "second": 21}
